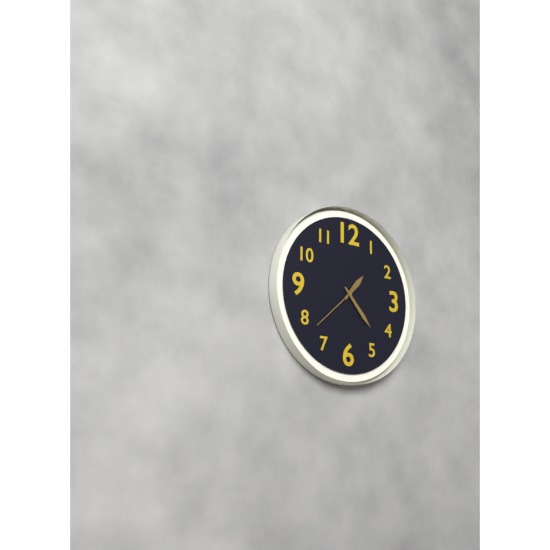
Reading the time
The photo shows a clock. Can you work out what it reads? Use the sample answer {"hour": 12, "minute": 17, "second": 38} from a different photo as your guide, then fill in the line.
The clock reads {"hour": 1, "minute": 23, "second": 38}
